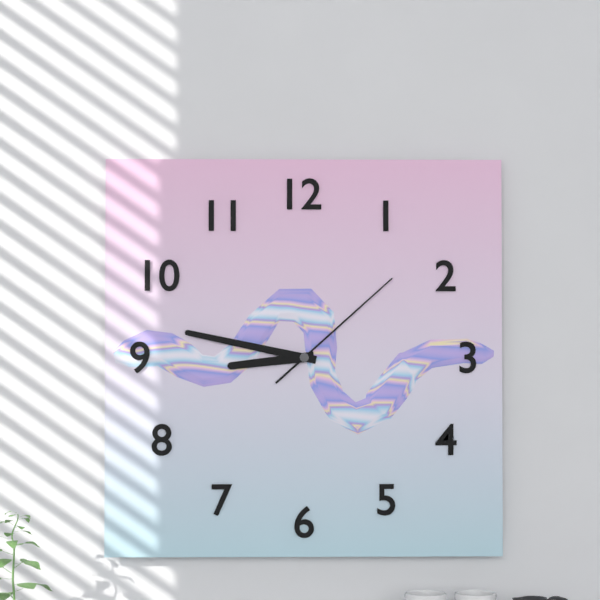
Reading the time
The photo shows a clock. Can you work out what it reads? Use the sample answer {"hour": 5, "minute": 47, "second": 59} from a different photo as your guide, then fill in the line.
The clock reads {"hour": 8, "minute": 47, "second": 8}
